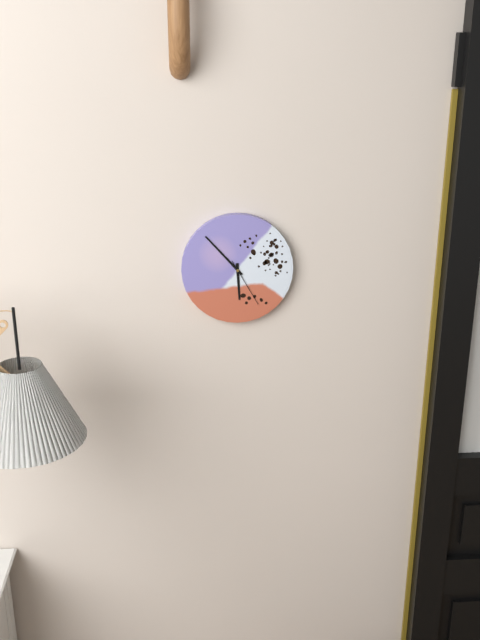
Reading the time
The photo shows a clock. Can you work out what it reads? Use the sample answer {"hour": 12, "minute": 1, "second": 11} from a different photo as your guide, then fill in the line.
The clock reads {"hour": 5, "minute": 53, "second": 25}
